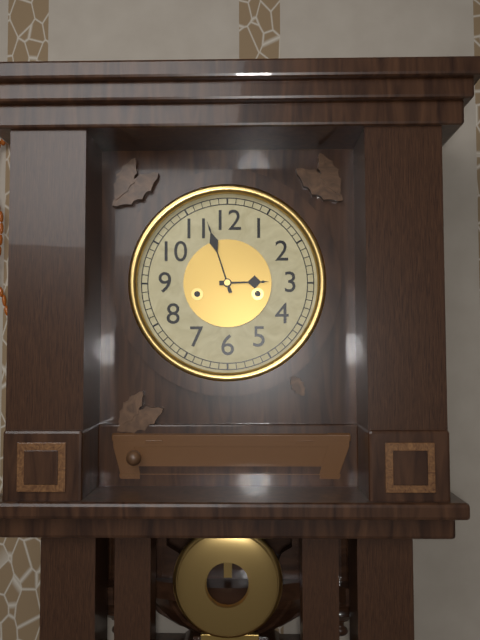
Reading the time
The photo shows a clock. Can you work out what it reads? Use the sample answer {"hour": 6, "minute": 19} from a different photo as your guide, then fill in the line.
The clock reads {"hour": 2, "minute": 57}
